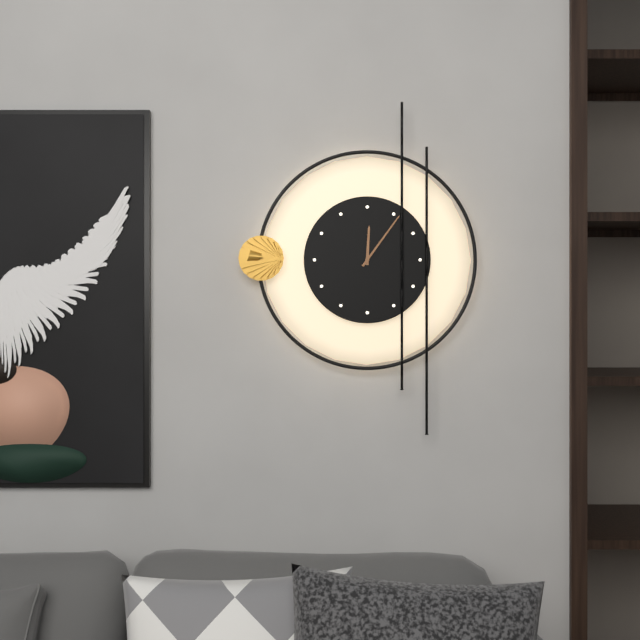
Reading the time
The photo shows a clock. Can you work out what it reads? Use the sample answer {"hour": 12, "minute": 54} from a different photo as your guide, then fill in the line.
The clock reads {"hour": 12, "minute": 6}
